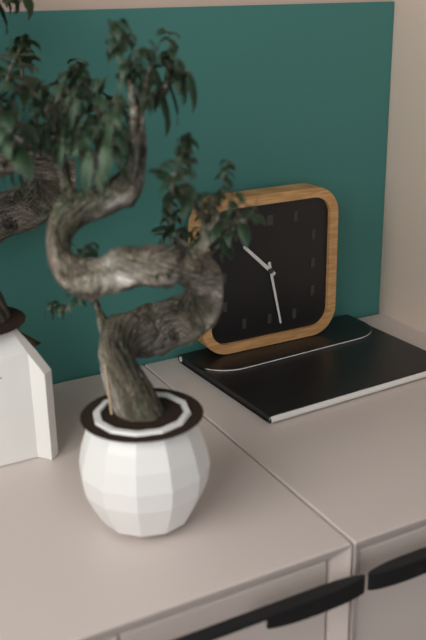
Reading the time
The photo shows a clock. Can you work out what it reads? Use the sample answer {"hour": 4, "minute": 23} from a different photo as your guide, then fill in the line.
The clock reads {"hour": 10, "minute": 28}
